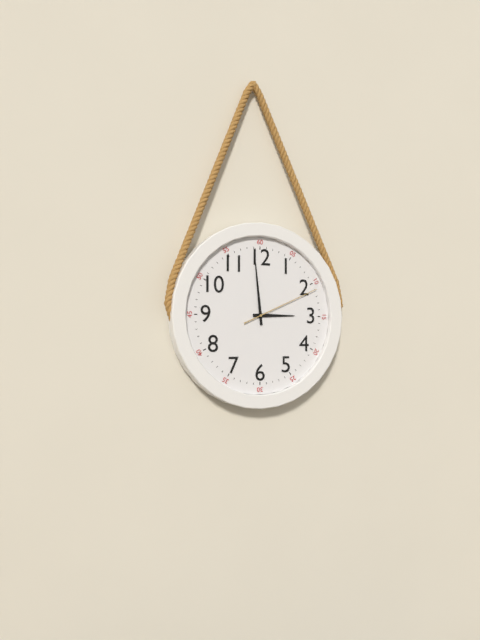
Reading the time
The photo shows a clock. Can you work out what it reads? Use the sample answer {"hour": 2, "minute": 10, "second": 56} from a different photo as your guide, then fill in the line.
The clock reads {"hour": 2, "minute": 59, "second": 11}
